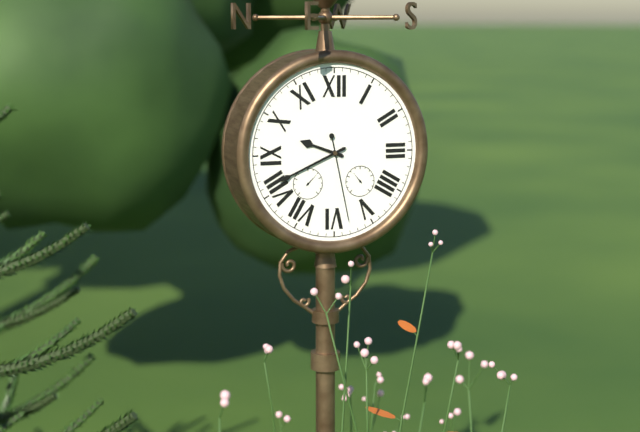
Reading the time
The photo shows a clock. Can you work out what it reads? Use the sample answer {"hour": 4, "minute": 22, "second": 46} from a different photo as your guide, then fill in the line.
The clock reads {"hour": 9, "minute": 41, "second": 28}
